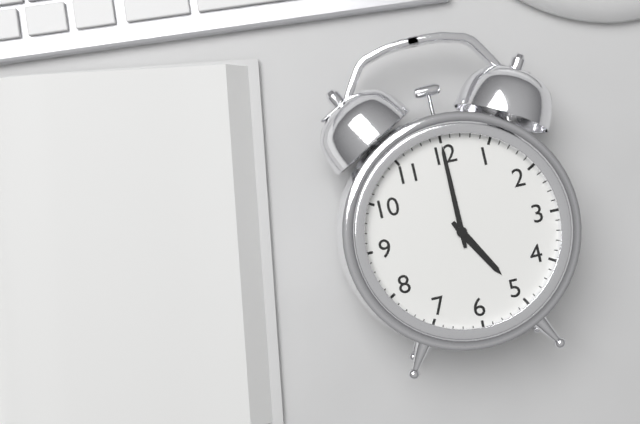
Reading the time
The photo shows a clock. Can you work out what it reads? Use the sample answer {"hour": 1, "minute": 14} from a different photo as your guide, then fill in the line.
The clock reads {"hour": 5, "minute": 0}
